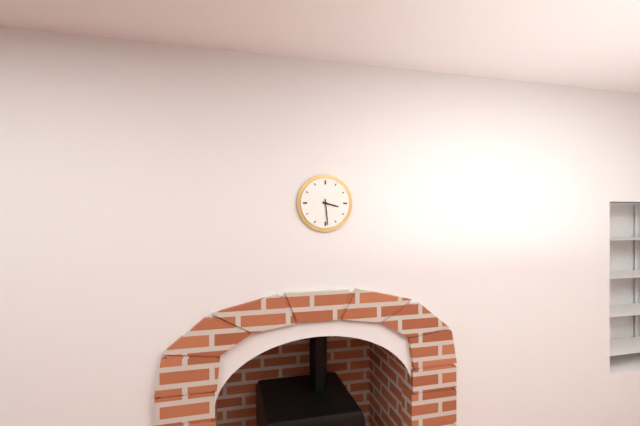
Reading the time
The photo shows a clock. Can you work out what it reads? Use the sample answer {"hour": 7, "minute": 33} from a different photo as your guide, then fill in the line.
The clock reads {"hour": 3, "minute": 29}
